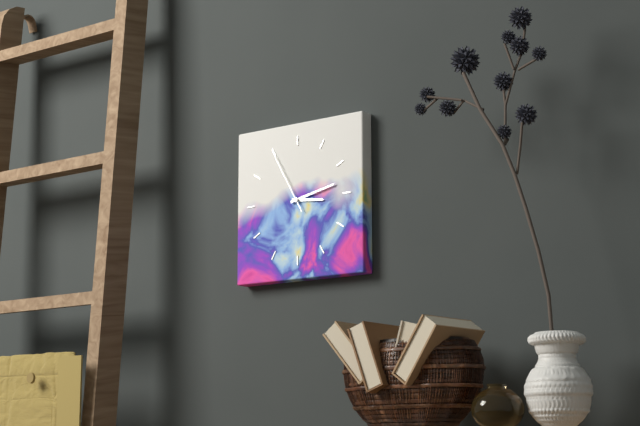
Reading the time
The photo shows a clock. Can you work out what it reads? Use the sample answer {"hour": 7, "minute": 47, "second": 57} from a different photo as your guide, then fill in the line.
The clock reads {"hour": 3, "minute": 13, "second": 55}
